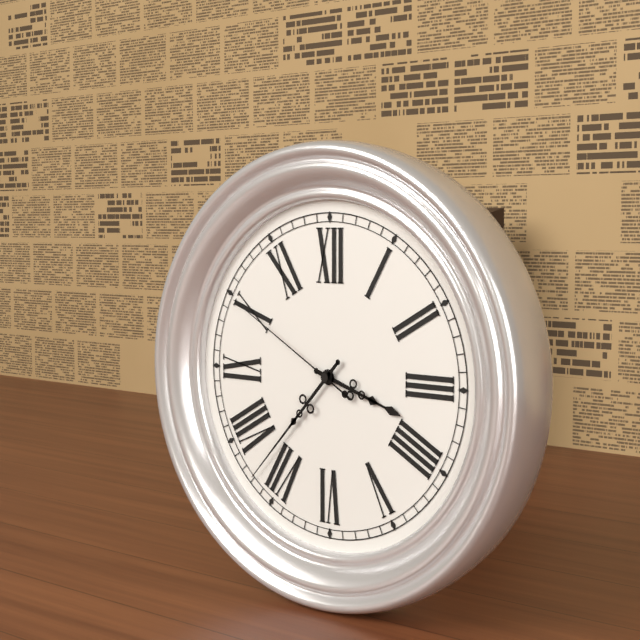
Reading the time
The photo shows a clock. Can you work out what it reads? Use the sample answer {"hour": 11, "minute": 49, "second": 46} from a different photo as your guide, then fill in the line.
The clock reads {"hour": 3, "minute": 37, "second": 50}
